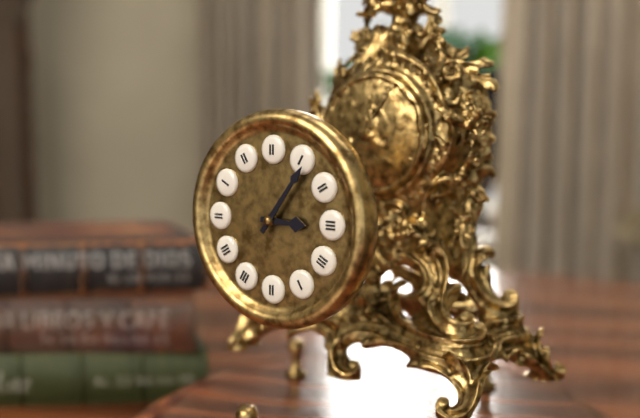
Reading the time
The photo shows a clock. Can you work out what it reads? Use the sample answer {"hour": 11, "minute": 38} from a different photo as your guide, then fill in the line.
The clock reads {"hour": 3, "minute": 6}
